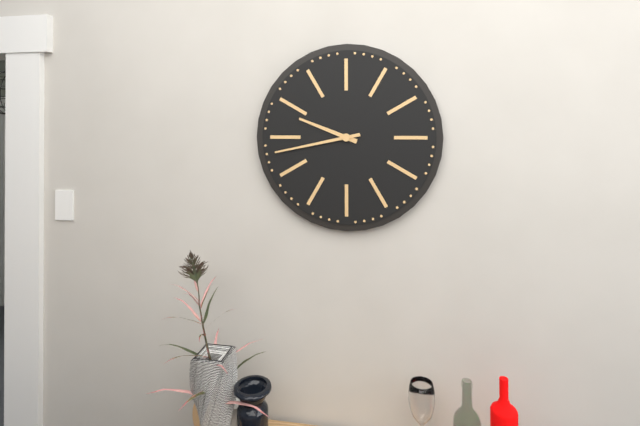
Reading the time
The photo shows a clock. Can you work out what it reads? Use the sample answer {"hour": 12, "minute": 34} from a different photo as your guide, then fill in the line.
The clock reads {"hour": 9, "minute": 43}
